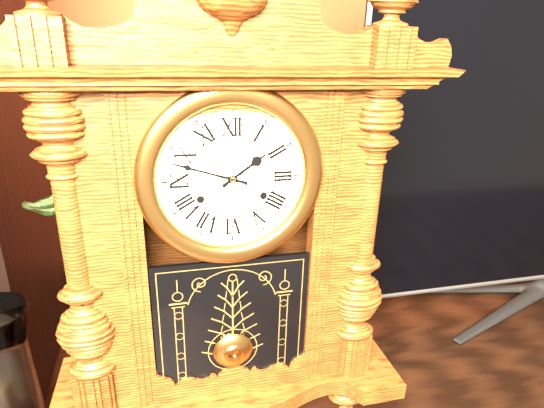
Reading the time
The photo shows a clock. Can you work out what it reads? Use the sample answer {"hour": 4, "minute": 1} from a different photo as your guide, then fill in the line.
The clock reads {"hour": 1, "minute": 48}
